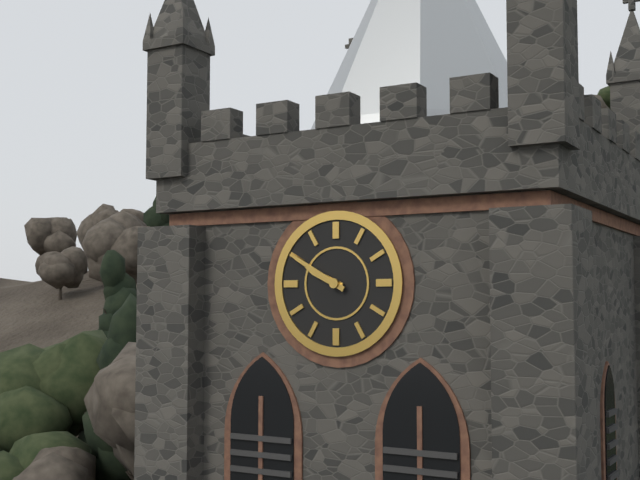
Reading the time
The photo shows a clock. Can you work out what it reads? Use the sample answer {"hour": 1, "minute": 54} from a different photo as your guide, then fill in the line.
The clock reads {"hour": 9, "minute": 50}
